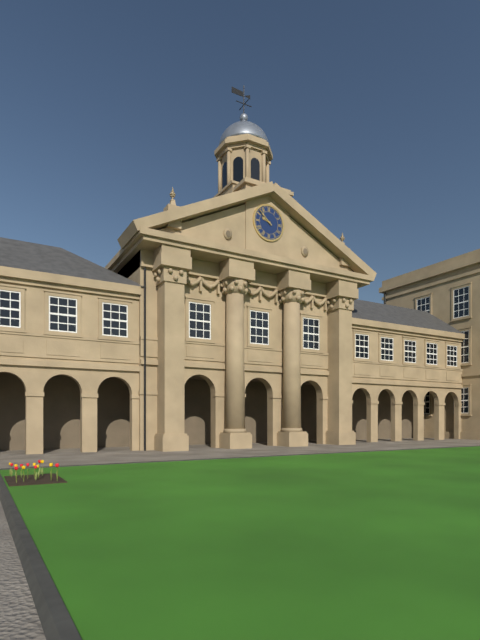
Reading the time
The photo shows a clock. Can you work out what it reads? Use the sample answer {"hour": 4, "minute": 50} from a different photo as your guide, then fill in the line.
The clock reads {"hour": 9, "minute": 52}
